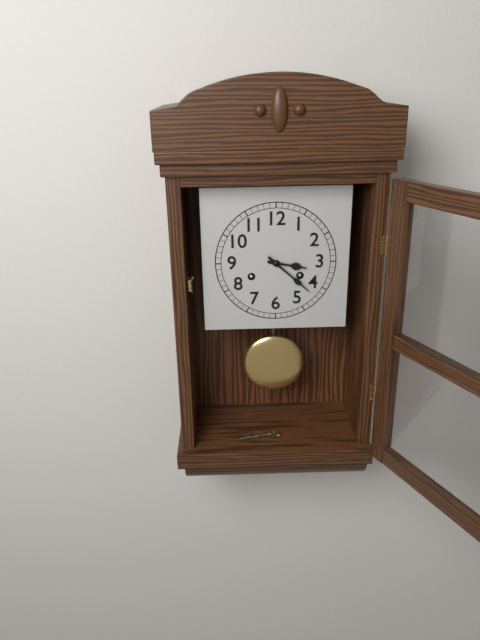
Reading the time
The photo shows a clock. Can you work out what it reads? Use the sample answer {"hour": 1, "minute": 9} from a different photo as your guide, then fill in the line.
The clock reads {"hour": 3, "minute": 22}
